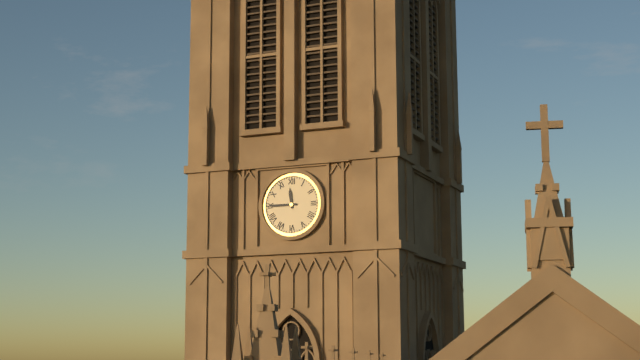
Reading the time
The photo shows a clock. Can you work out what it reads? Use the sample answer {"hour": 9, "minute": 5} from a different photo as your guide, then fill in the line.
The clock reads {"hour": 11, "minute": 45}
